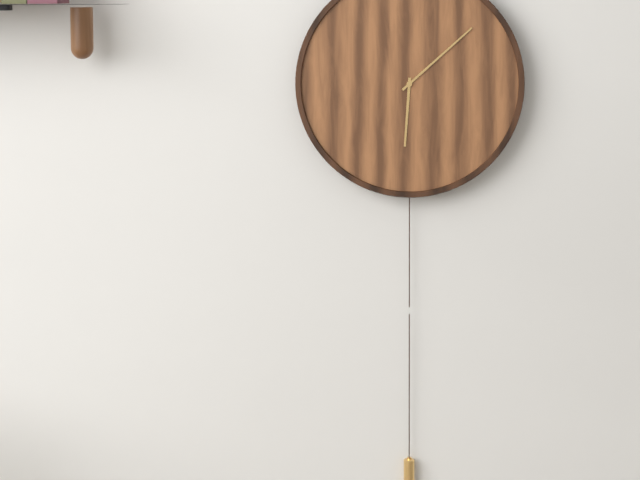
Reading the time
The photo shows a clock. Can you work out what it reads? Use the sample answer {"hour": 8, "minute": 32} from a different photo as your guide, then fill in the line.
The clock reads {"hour": 6, "minute": 8}
